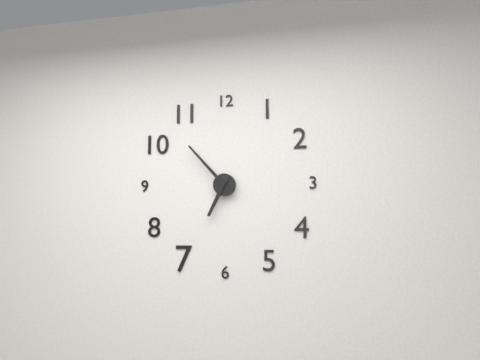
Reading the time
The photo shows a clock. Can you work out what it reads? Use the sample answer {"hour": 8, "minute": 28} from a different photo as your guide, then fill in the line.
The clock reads {"hour": 6, "minute": 53}
